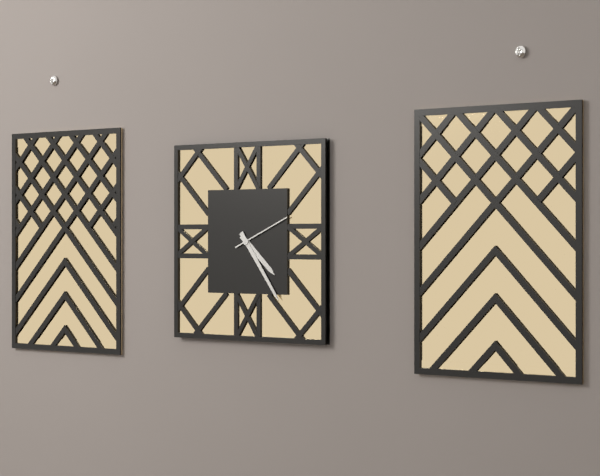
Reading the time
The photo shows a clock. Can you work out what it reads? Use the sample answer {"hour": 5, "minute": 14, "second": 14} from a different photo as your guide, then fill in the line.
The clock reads {"hour": 4, "minute": 24, "second": 11}
